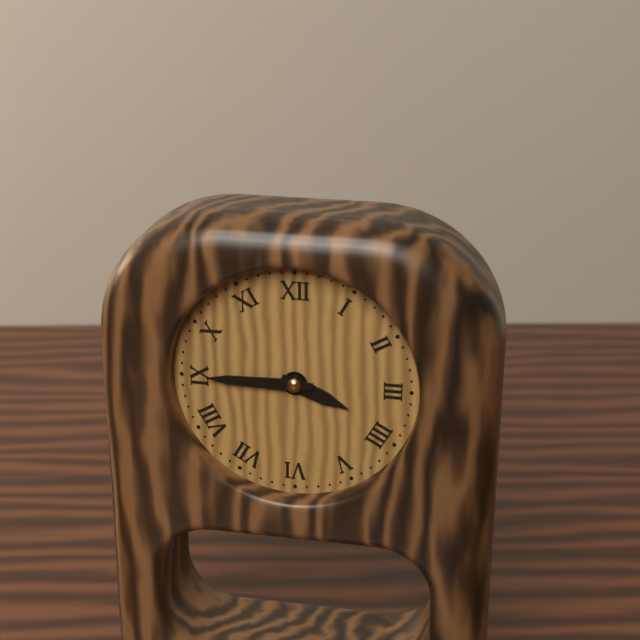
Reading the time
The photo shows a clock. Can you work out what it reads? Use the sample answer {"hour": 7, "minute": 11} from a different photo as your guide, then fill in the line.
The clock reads {"hour": 3, "minute": 45}
